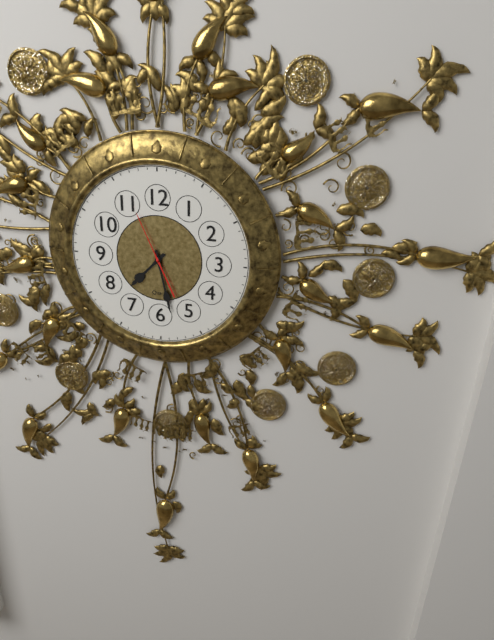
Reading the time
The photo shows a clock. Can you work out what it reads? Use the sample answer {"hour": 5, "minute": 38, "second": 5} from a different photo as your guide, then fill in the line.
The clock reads {"hour": 7, "minute": 28, "second": 56}
